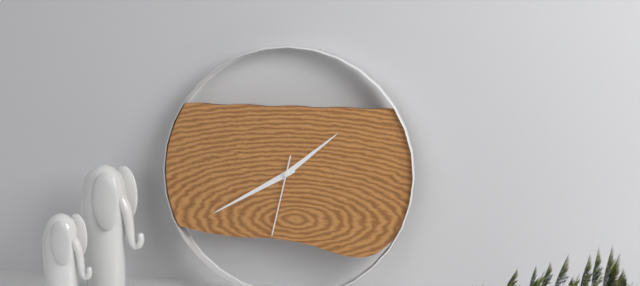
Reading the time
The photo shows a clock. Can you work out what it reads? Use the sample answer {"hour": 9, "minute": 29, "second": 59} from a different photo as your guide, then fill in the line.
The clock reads {"hour": 1, "minute": 40, "second": 32}
